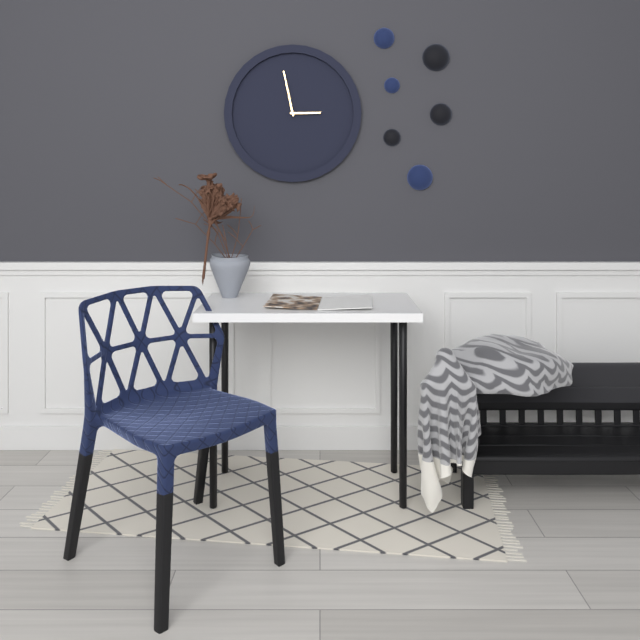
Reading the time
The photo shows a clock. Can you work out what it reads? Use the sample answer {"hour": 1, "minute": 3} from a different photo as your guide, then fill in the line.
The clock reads {"hour": 2, "minute": 58}
